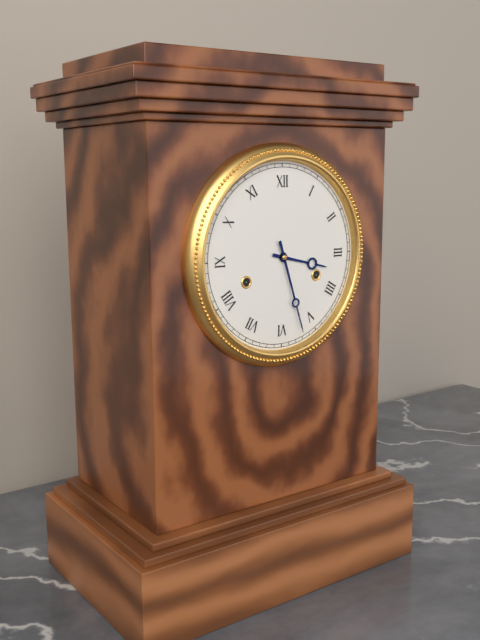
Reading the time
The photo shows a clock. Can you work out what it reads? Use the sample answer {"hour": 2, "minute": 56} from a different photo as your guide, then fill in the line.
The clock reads {"hour": 3, "minute": 27}
